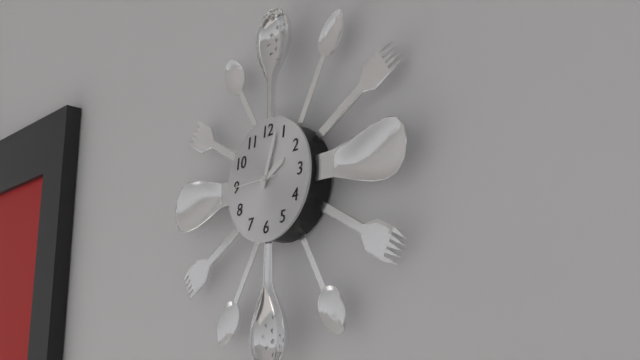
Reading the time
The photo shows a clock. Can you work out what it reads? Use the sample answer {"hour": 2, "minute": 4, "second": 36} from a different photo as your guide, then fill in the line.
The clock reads {"hour": 2, "minute": 3, "second": 45}
